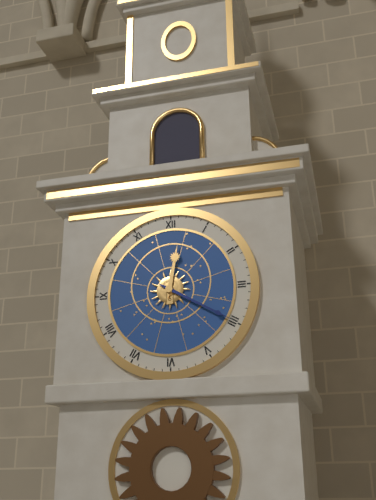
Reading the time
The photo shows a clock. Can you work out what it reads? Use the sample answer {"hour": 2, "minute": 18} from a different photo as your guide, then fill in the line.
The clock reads {"hour": 12, "minute": 20}
